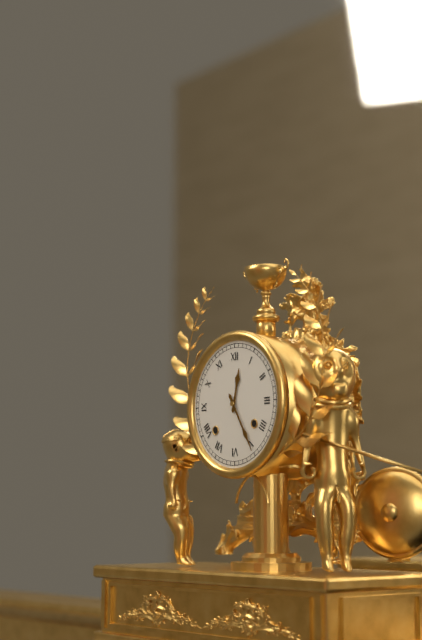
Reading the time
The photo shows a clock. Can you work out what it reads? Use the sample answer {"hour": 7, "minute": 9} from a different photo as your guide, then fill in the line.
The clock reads {"hour": 12, "minute": 25}
